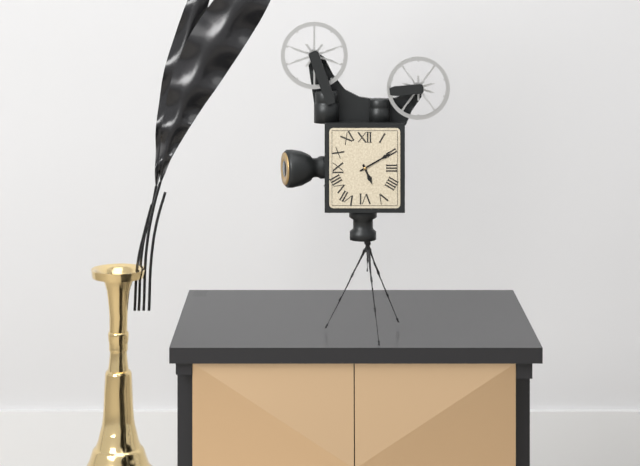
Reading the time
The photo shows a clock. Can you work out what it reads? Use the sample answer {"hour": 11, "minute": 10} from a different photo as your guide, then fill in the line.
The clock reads {"hour": 5, "minute": 10}
